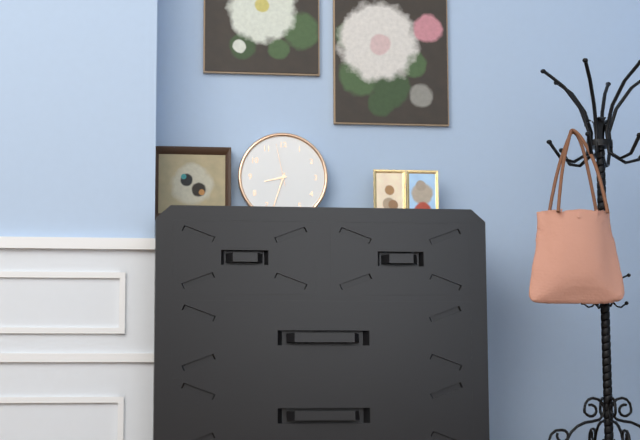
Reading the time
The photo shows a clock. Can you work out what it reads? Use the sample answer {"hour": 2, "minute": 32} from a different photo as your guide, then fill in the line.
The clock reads {"hour": 8, "minute": 33}
